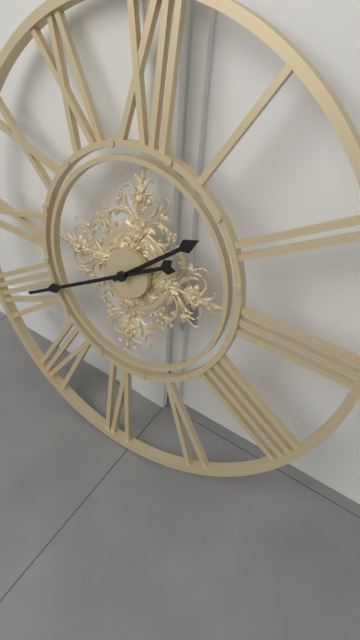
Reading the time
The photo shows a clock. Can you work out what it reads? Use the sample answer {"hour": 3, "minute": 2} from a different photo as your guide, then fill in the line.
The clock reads {"hour": 1, "minute": 40}
